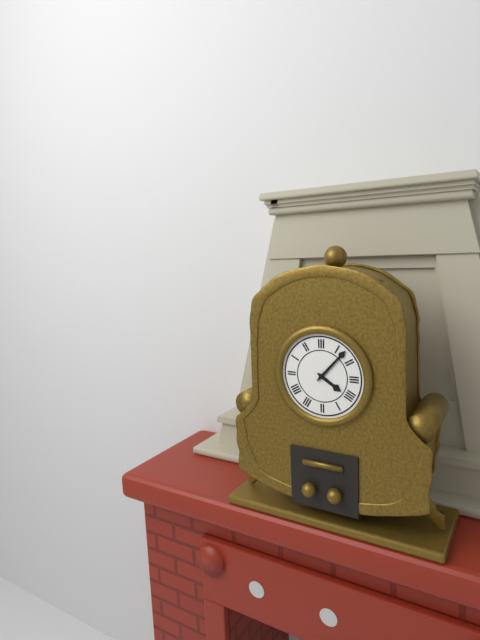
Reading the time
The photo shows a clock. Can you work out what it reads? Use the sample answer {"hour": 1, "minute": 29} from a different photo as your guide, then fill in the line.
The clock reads {"hour": 4, "minute": 7}
